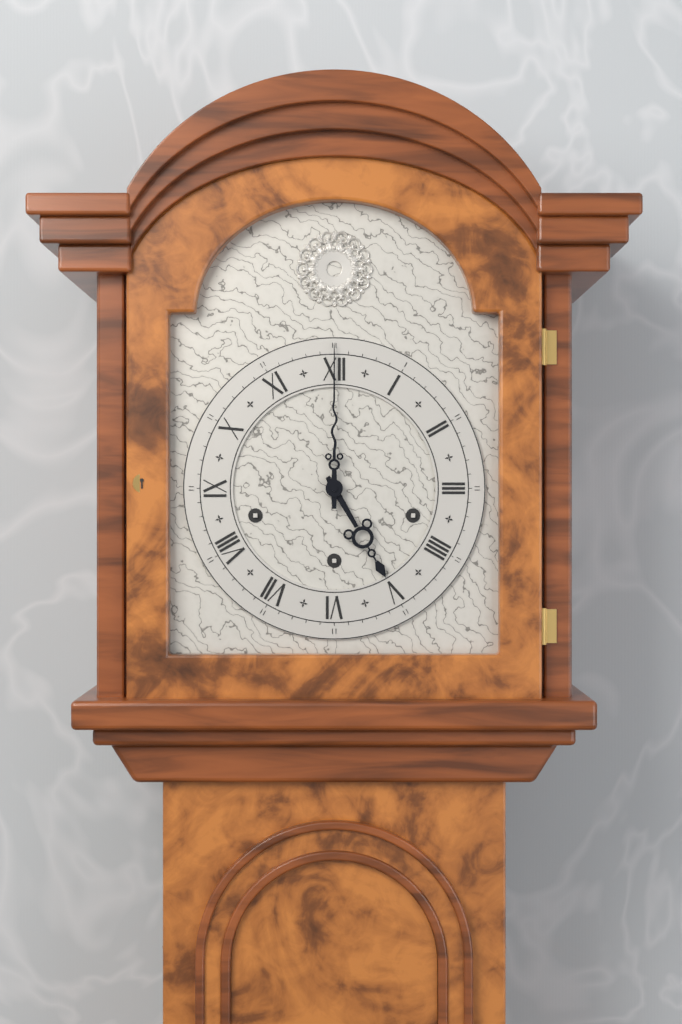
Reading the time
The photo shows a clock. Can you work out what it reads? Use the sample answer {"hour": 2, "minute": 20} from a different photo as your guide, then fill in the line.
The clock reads {"hour": 5, "minute": 0}
